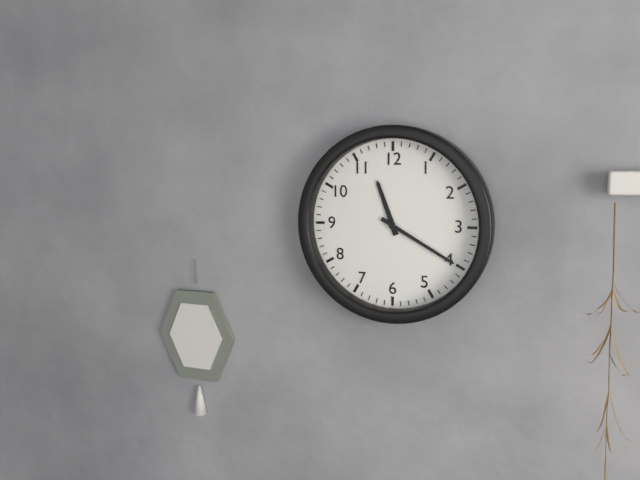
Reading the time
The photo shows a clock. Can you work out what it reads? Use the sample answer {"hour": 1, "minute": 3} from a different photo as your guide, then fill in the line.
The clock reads {"hour": 11, "minute": 20}
